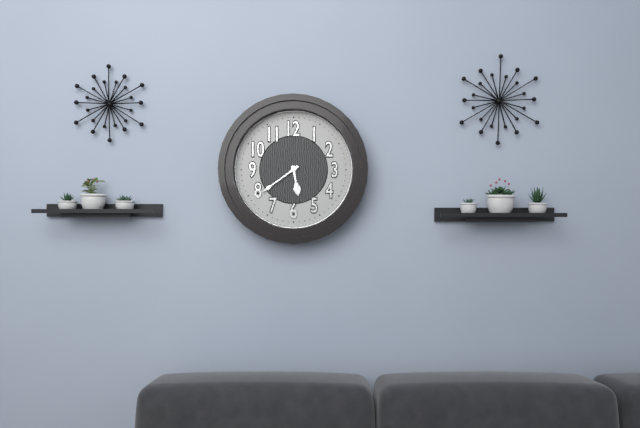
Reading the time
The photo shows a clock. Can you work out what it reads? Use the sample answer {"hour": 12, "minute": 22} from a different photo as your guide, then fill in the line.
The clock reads {"hour": 5, "minute": 39}
